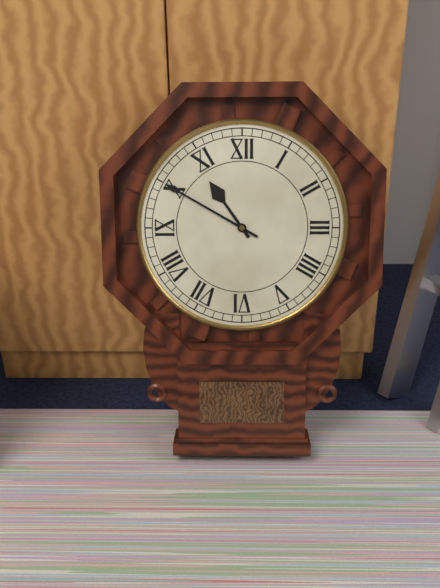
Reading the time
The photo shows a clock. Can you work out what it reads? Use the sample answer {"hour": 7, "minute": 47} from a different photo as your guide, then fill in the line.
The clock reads {"hour": 10, "minute": 50}
